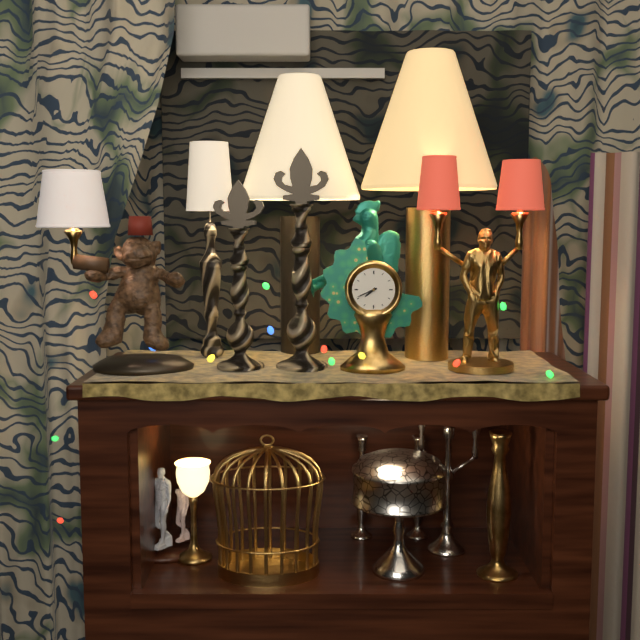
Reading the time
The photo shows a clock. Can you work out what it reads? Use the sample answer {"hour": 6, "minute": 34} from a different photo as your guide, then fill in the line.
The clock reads {"hour": 7, "minute": 41}
